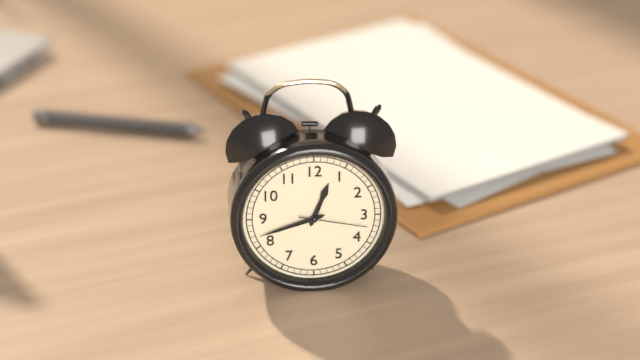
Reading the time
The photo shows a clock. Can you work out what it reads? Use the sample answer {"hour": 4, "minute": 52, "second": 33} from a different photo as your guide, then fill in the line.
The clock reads {"hour": 12, "minute": 42, "second": 17}
